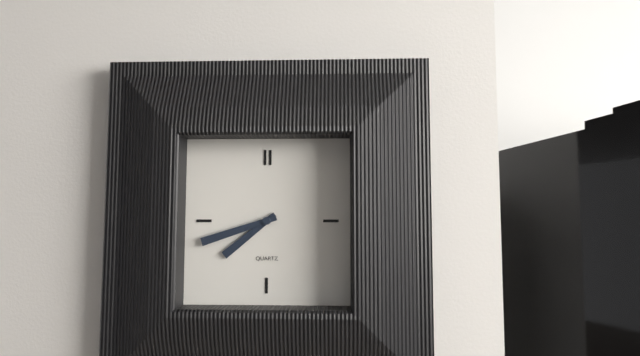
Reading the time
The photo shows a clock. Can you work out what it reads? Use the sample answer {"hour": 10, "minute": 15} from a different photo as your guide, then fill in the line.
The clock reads {"hour": 7, "minute": 42}
